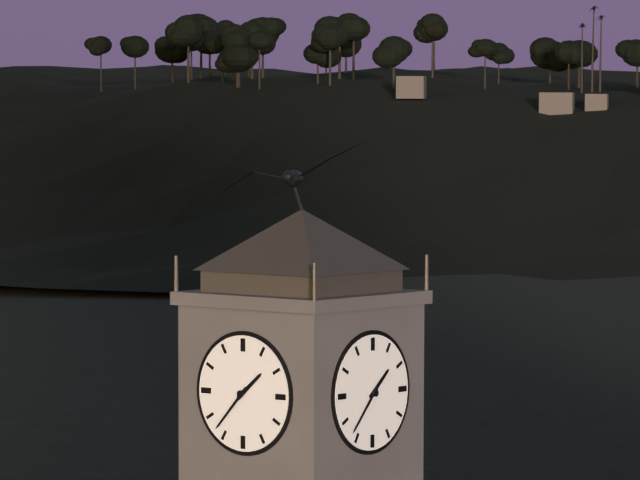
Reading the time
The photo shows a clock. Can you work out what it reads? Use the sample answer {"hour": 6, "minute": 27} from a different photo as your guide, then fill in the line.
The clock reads {"hour": 1, "minute": 37}
